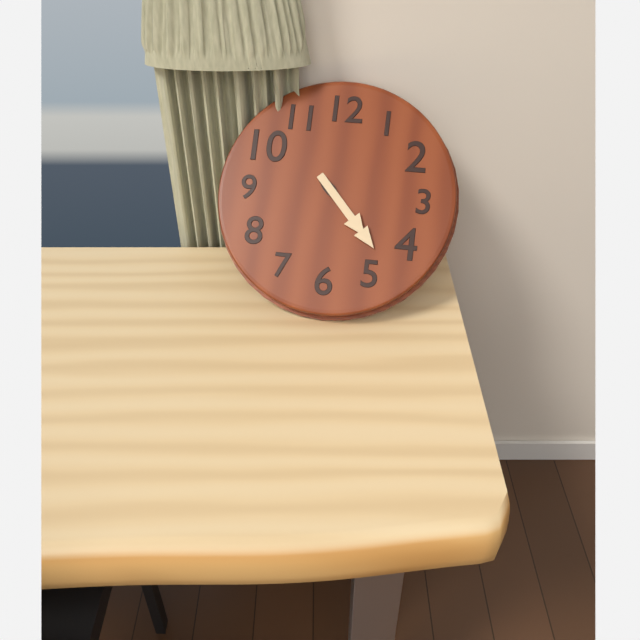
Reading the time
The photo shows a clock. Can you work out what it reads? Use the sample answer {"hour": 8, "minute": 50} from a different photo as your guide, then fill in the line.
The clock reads {"hour": 10, "minute": 23}
